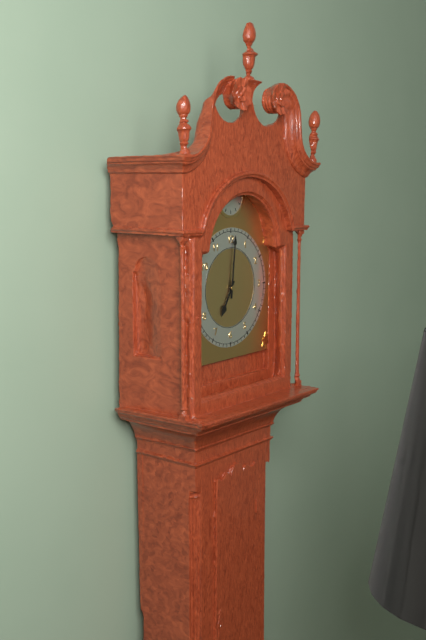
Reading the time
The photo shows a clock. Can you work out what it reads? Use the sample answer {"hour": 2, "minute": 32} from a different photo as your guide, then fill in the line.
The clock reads {"hour": 7, "minute": 1}
